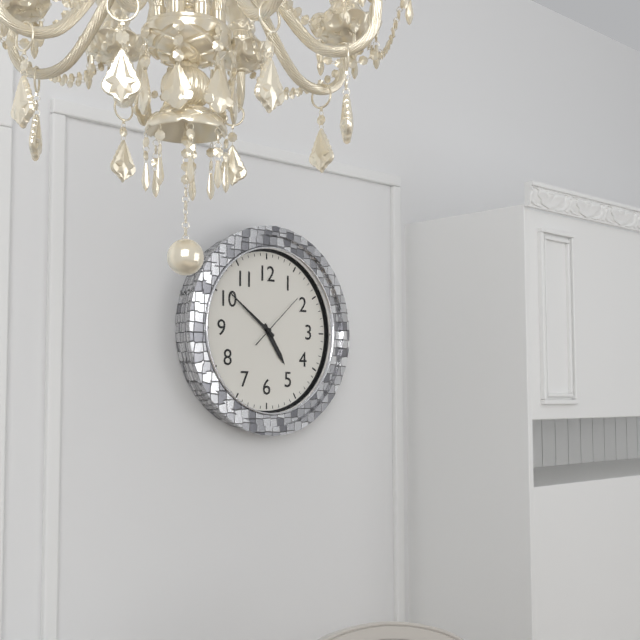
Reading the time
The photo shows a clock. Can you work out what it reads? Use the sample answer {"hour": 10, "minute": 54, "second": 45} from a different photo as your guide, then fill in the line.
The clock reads {"hour": 4, "minute": 51, "second": 8}
